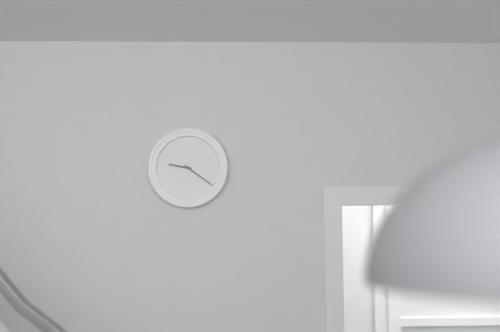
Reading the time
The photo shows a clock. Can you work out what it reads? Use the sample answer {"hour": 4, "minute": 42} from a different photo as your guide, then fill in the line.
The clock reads {"hour": 9, "minute": 21}
